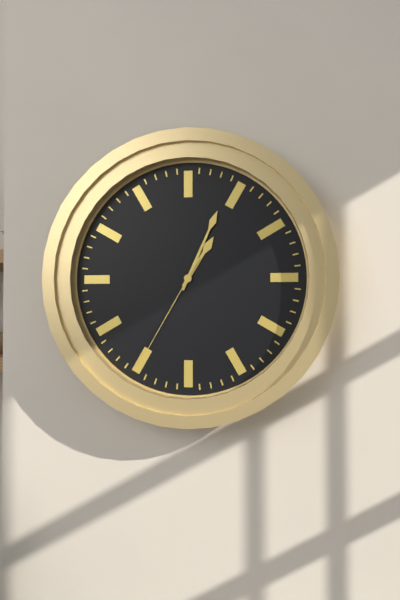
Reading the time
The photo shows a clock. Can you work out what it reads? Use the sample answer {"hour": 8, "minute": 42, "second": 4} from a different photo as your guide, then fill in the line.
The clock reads {"hour": 1, "minute": 4, "second": 35}
